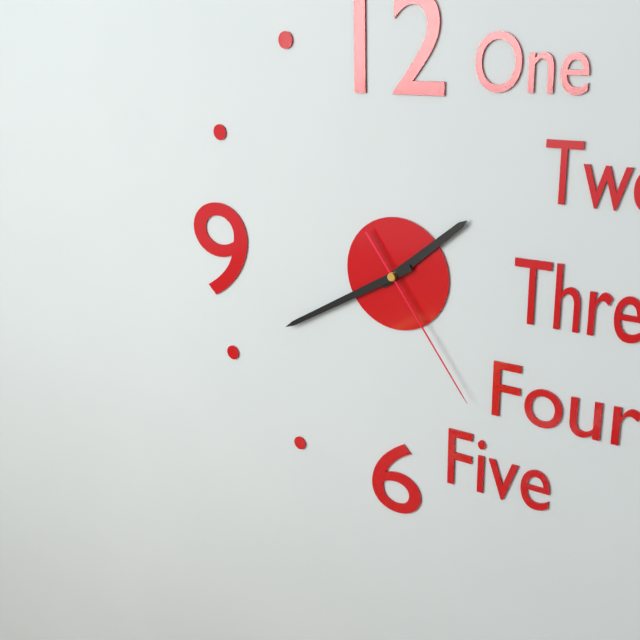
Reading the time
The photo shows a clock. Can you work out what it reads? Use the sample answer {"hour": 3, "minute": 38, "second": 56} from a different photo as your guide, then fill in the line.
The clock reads {"hour": 1, "minute": 40, "second": 24}
